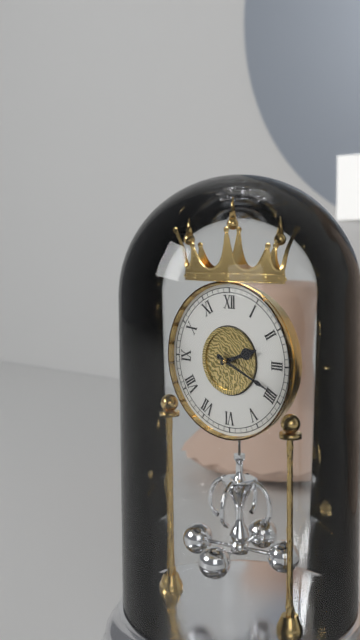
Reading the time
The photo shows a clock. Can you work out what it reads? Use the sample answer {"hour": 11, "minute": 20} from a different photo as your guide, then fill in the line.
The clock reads {"hour": 2, "minute": 19}
